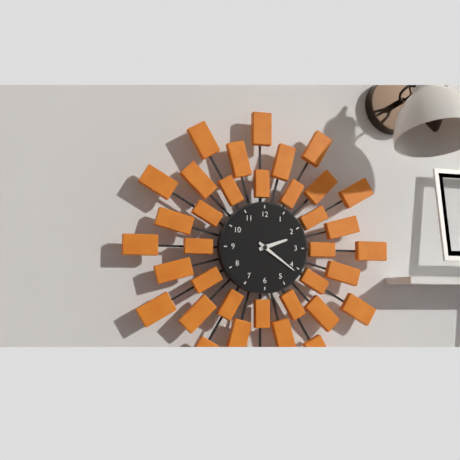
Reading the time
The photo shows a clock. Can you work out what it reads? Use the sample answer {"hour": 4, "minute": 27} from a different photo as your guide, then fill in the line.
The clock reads {"hour": 2, "minute": 21}
